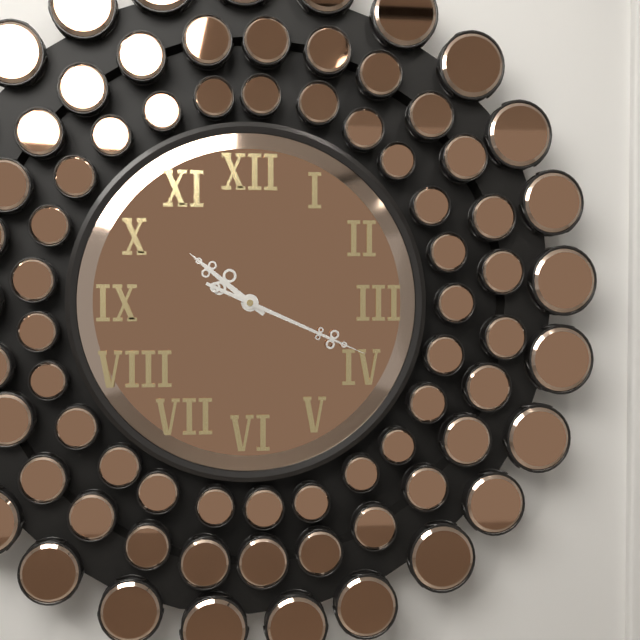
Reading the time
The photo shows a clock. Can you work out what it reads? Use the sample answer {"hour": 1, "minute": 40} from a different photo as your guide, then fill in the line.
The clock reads {"hour": 10, "minute": 19}
